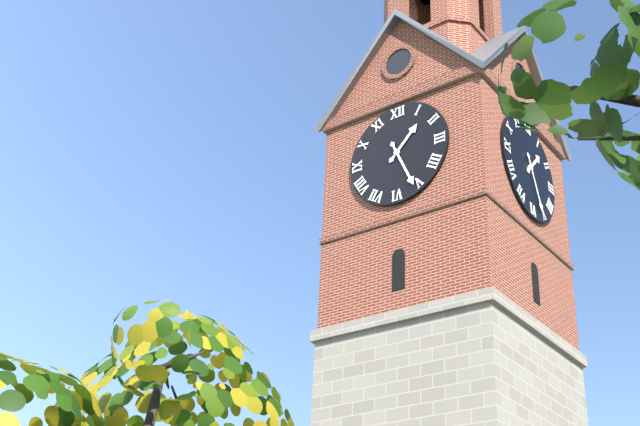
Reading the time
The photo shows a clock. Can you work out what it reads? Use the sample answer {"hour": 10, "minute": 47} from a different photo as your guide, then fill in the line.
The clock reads {"hour": 1, "minute": 26}
